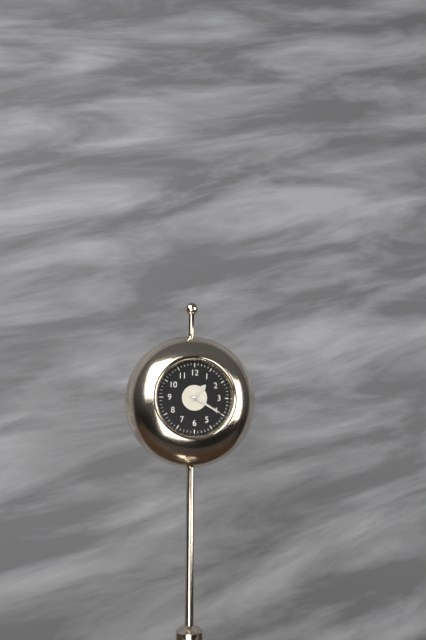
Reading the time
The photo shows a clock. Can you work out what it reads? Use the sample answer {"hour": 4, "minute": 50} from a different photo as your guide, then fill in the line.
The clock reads {"hour": 1, "minute": 20}
